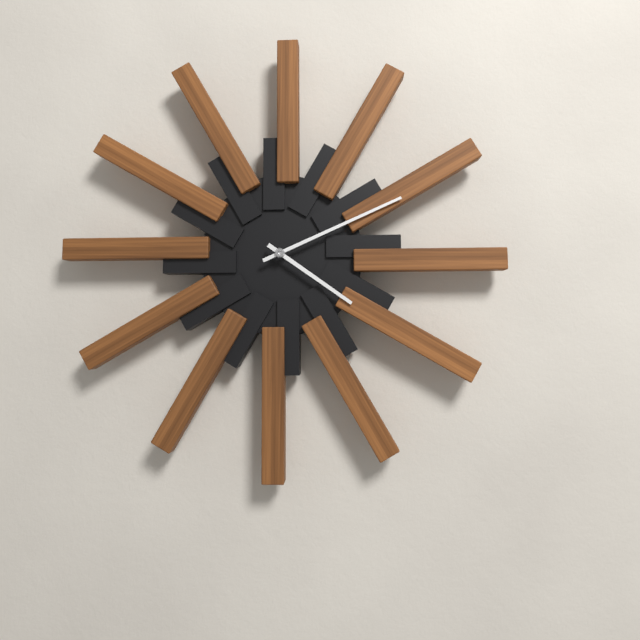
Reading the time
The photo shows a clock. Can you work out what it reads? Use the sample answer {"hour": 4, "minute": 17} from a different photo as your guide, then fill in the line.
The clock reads {"hour": 4, "minute": 11}
